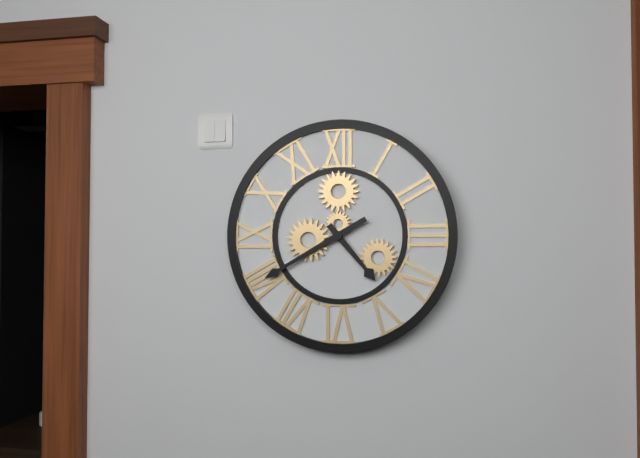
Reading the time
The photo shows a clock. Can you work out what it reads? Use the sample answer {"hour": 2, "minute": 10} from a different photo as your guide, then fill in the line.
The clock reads {"hour": 4, "minute": 40}
